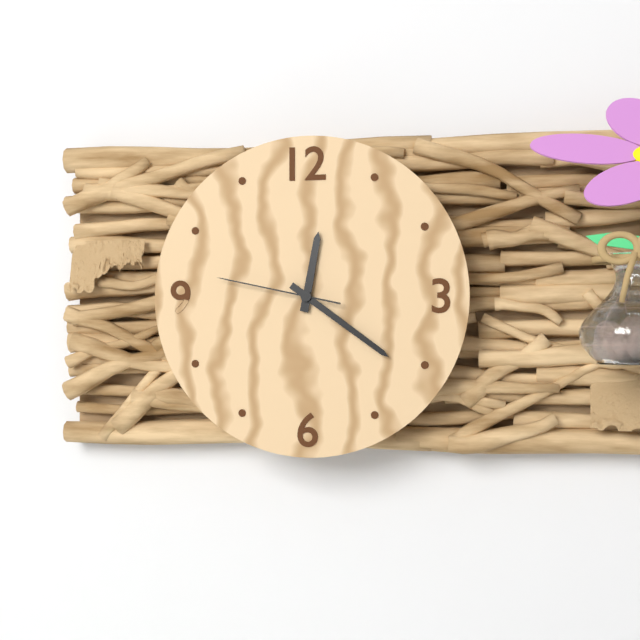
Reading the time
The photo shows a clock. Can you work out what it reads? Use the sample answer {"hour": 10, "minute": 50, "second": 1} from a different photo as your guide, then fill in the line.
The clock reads {"hour": 12, "minute": 21, "second": 47}
